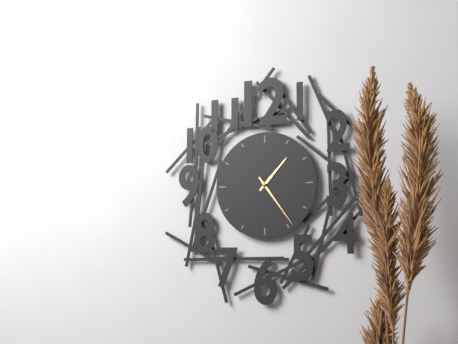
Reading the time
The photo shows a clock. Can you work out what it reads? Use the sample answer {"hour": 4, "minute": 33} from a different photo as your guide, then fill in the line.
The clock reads {"hour": 1, "minute": 24}
